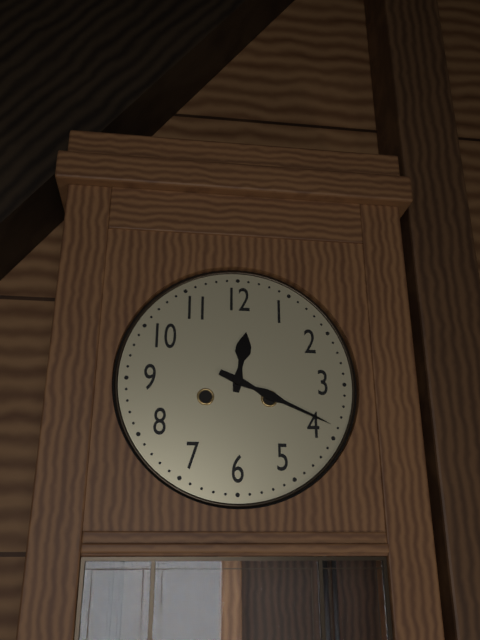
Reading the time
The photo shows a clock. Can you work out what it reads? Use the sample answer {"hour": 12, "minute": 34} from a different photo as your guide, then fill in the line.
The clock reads {"hour": 12, "minute": 19}
